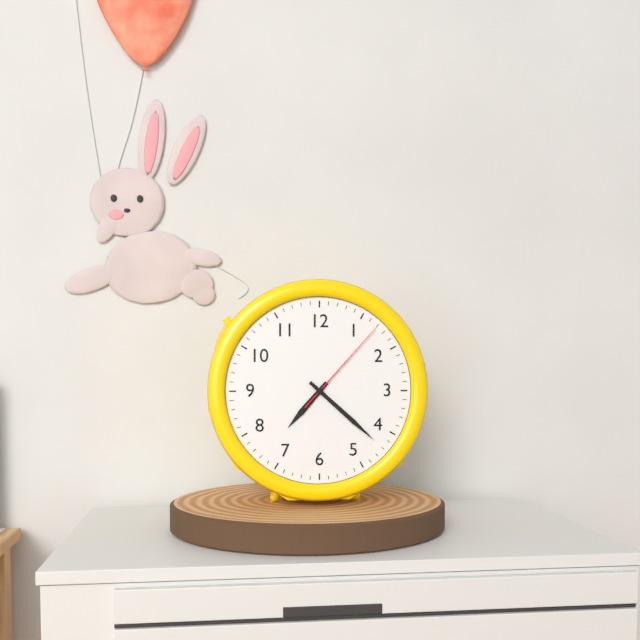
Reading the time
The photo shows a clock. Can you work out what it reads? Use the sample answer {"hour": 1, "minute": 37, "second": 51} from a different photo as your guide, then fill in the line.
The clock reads {"hour": 7, "minute": 22, "second": 7}
